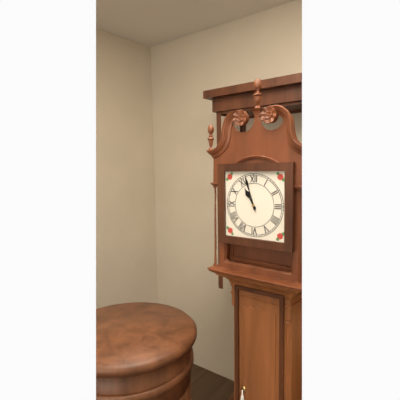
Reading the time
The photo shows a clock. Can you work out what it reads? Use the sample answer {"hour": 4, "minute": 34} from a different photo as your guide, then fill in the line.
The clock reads {"hour": 10, "minute": 57}
